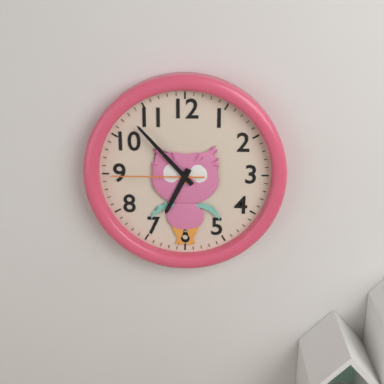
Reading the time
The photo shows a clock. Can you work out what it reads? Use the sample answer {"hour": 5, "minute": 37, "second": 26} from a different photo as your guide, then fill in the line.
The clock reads {"hour": 6, "minute": 53, "second": 45}
